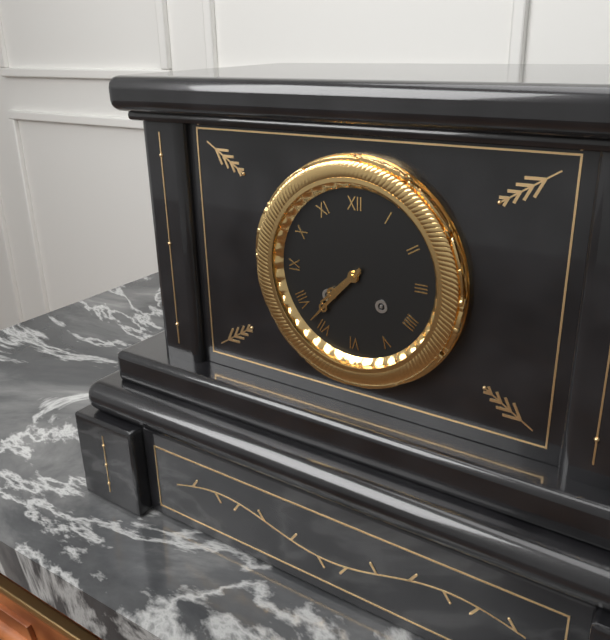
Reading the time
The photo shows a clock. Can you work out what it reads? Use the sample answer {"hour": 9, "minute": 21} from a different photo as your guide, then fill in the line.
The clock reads {"hour": 7, "minute": 37}
